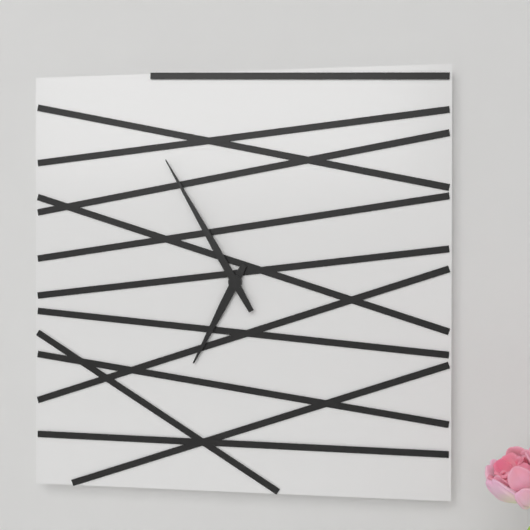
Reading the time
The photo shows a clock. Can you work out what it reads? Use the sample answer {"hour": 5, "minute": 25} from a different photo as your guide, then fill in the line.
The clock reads {"hour": 6, "minute": 55}
